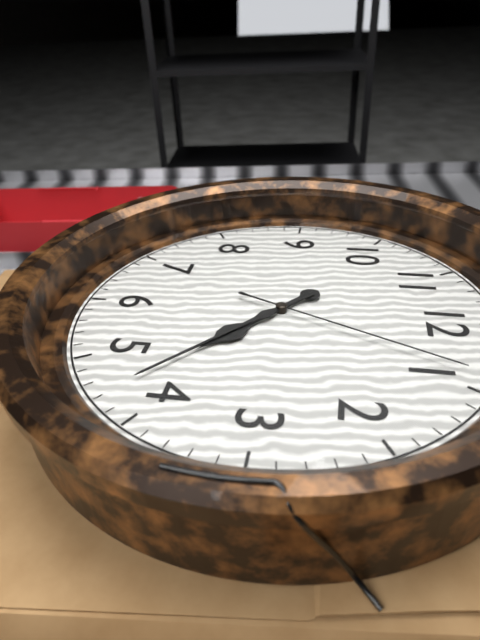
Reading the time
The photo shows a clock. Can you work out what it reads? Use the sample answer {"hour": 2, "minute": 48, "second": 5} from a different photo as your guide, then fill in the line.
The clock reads {"hour": 4, "minute": 22, "second": 4}
